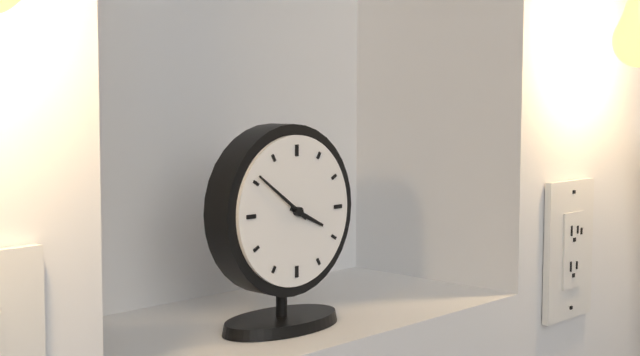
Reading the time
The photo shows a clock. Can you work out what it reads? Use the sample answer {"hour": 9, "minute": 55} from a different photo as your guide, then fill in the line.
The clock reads {"hour": 3, "minute": 51}
